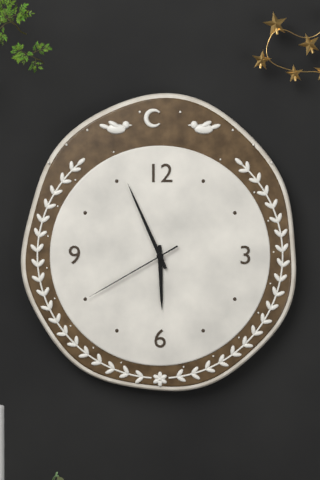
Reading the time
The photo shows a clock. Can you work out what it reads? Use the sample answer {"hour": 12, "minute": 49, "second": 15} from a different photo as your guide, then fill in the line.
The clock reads {"hour": 5, "minute": 56, "second": 40}
